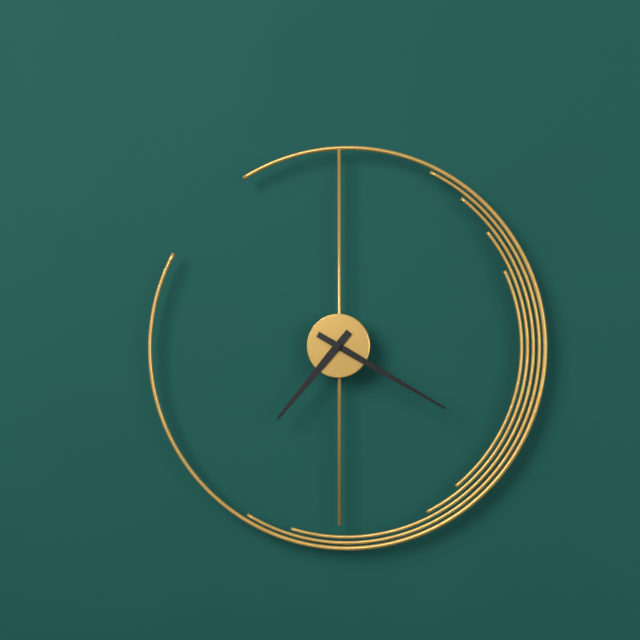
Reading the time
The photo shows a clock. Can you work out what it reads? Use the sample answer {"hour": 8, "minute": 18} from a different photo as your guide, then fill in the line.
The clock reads {"hour": 7, "minute": 20}
